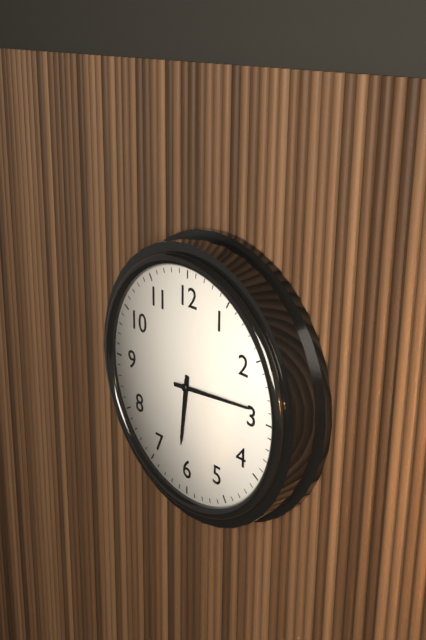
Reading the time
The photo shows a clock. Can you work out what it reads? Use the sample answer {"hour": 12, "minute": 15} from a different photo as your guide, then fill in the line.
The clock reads {"hour": 6, "minute": 14}
